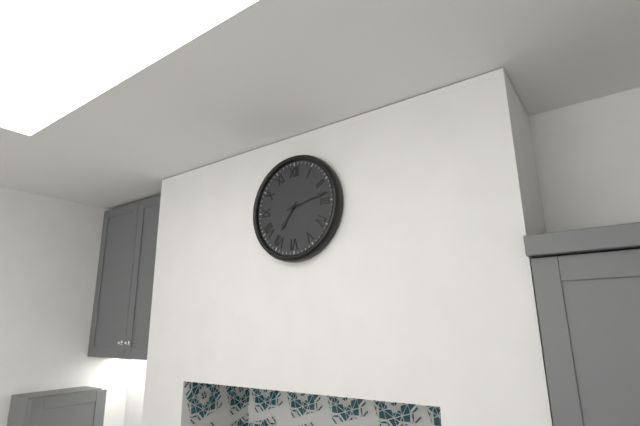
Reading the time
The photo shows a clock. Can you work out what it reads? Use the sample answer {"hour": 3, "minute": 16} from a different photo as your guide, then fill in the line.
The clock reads {"hour": 7, "minute": 13}
